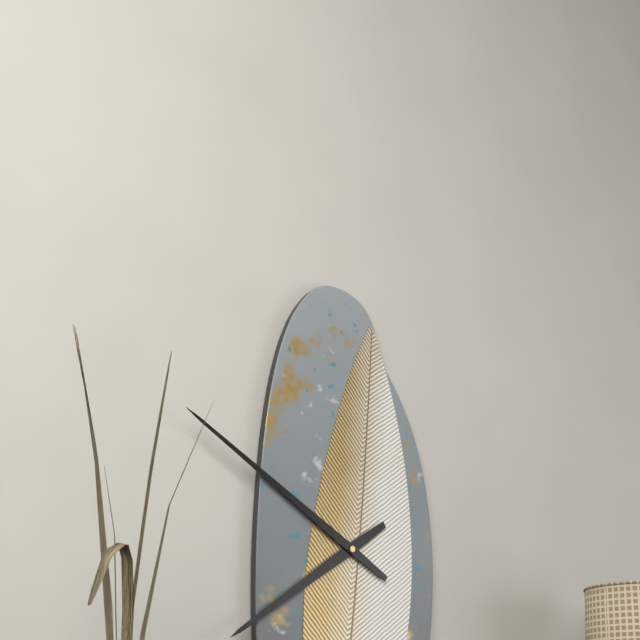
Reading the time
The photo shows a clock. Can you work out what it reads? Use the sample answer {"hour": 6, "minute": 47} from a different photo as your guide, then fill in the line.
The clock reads {"hour": 7, "minute": 50}
